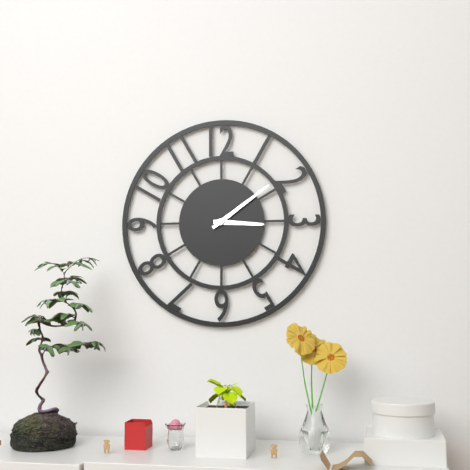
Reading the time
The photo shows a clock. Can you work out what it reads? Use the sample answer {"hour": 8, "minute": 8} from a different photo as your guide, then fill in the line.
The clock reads {"hour": 3, "minute": 9}
